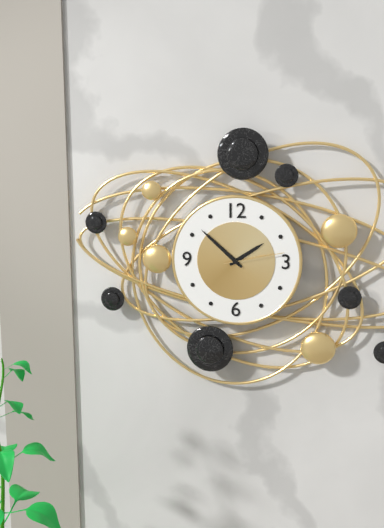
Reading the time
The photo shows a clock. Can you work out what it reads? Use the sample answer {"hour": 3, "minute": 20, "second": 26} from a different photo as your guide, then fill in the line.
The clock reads {"hour": 1, "minute": 52, "second": 13}
